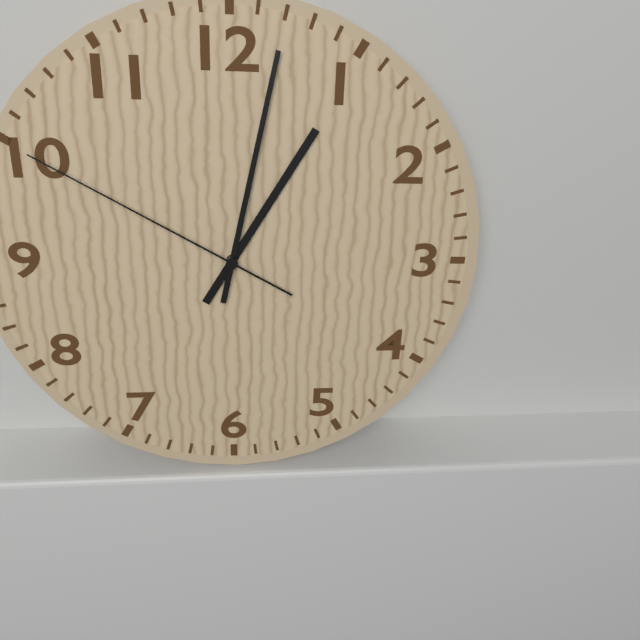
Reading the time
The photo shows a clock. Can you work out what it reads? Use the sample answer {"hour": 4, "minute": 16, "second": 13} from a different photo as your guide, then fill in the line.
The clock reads {"hour": 1, "minute": 2, "second": 50}
